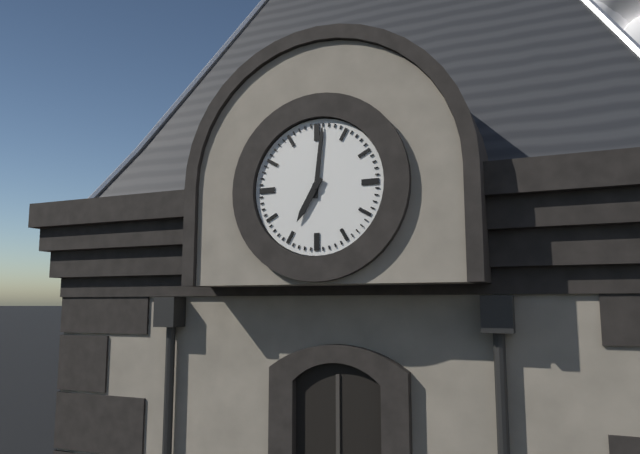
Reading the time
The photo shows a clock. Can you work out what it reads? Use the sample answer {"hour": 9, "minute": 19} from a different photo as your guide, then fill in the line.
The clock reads {"hour": 7, "minute": 1}
